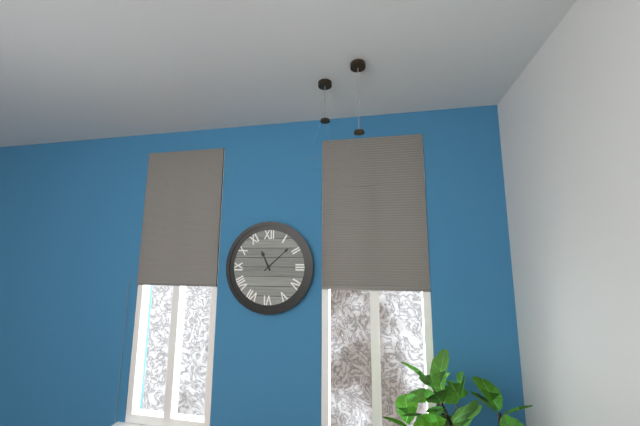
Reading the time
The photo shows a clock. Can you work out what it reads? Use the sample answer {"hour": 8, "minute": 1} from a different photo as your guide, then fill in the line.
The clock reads {"hour": 11, "minute": 8}
